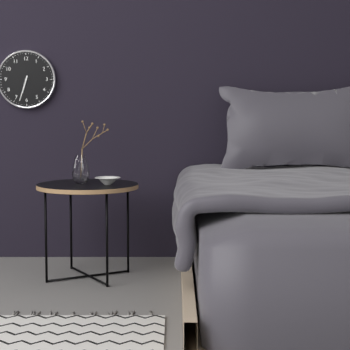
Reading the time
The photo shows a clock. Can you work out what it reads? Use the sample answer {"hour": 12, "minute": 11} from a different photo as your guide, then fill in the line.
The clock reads {"hour": 6, "minute": 33}
